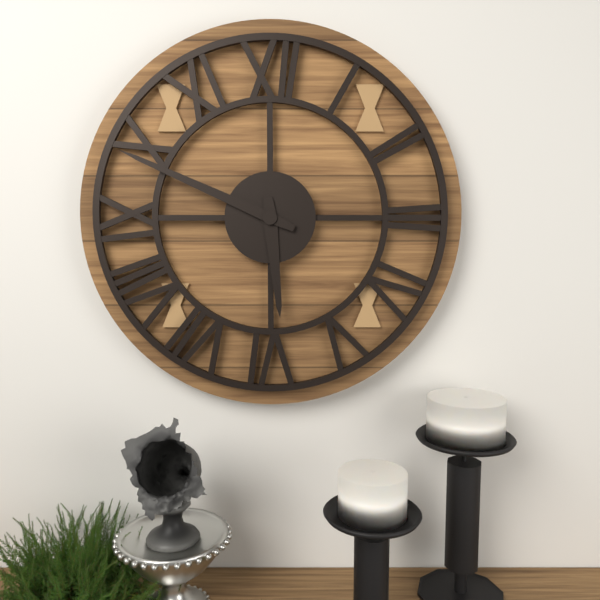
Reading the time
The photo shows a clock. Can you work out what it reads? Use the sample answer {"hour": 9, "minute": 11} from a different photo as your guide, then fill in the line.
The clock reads {"hour": 5, "minute": 49}
